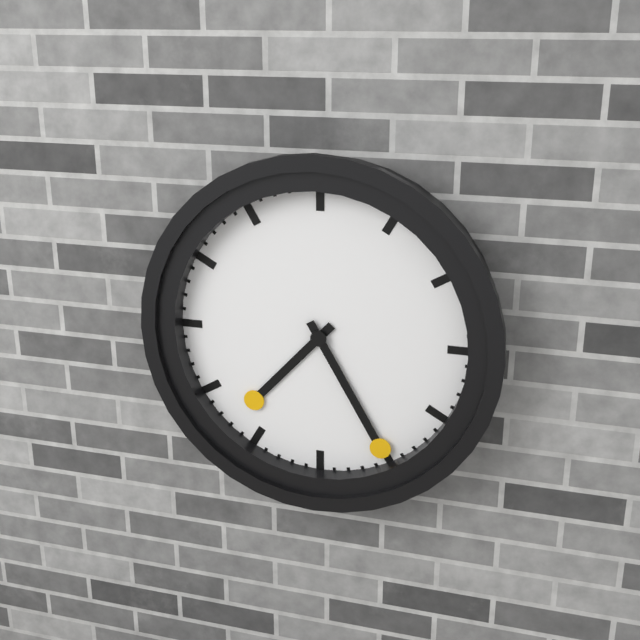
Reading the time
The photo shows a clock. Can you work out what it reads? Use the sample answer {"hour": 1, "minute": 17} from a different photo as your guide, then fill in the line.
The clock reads {"hour": 7, "minute": 25}
